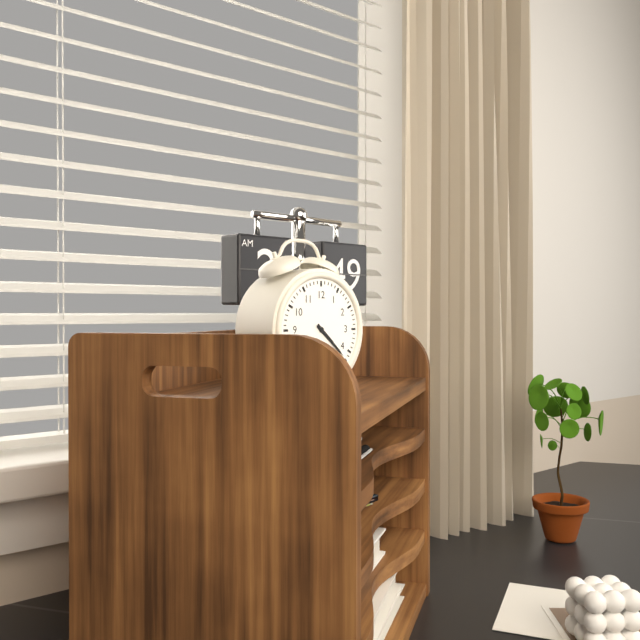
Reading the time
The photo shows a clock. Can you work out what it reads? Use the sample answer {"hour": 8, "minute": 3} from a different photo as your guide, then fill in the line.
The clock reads {"hour": 4, "minute": 22}
